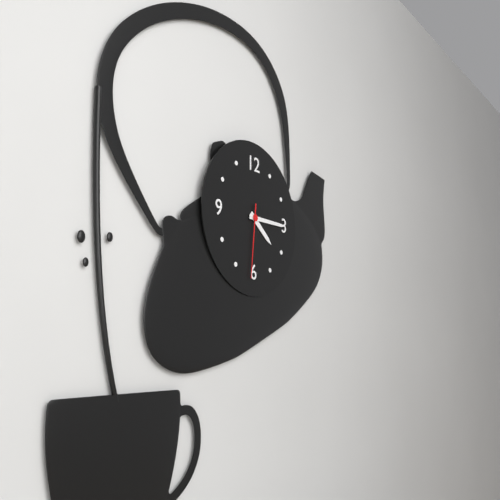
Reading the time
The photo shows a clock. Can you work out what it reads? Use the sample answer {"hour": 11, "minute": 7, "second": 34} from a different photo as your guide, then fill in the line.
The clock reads {"hour": 4, "minute": 15, "second": 31}
